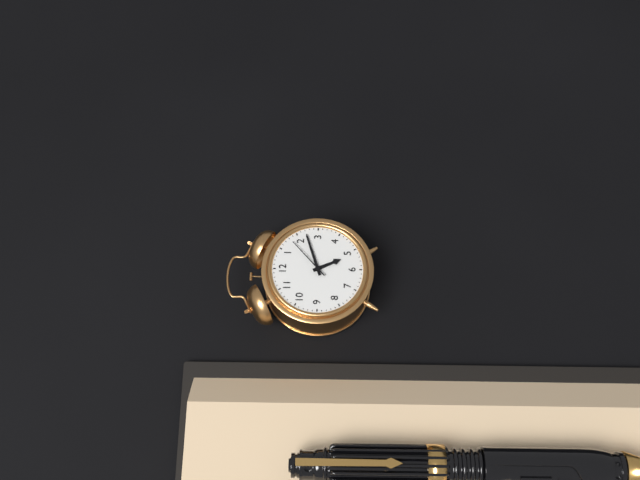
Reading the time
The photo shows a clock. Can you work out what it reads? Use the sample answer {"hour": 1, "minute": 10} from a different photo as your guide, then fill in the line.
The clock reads {"hour": 5, "minute": 12}
